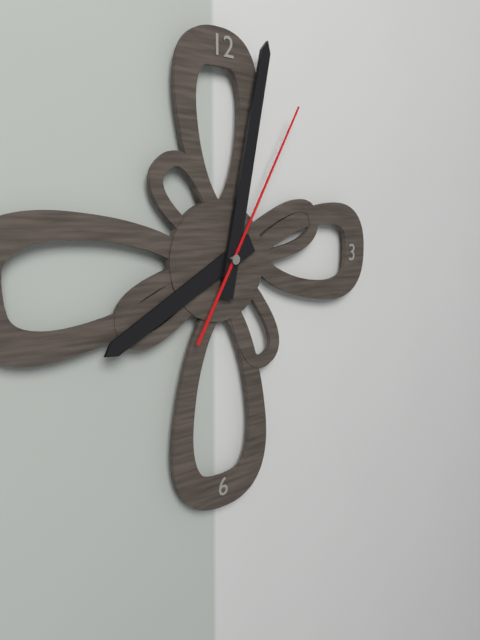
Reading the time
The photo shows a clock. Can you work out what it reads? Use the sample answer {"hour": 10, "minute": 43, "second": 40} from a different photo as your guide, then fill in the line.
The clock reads {"hour": 8, "minute": 2, "second": 5}
